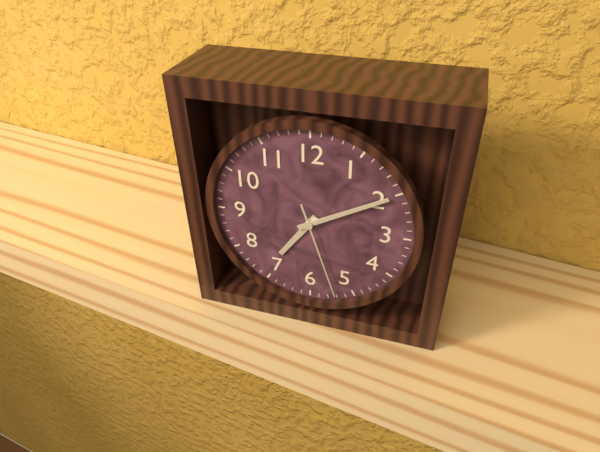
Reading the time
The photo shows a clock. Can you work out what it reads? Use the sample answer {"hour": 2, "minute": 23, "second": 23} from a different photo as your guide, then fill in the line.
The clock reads {"hour": 7, "minute": 10, "second": 27}
